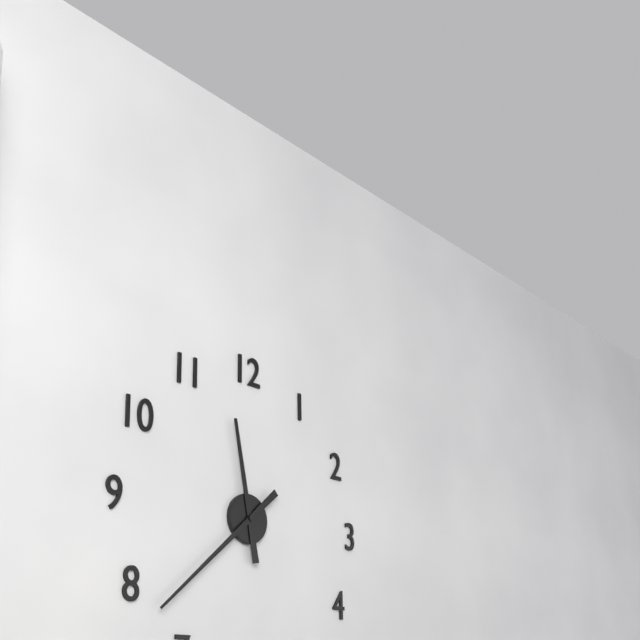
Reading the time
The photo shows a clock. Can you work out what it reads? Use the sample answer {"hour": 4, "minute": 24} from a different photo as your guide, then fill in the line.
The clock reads {"hour": 11, "minute": 38}
